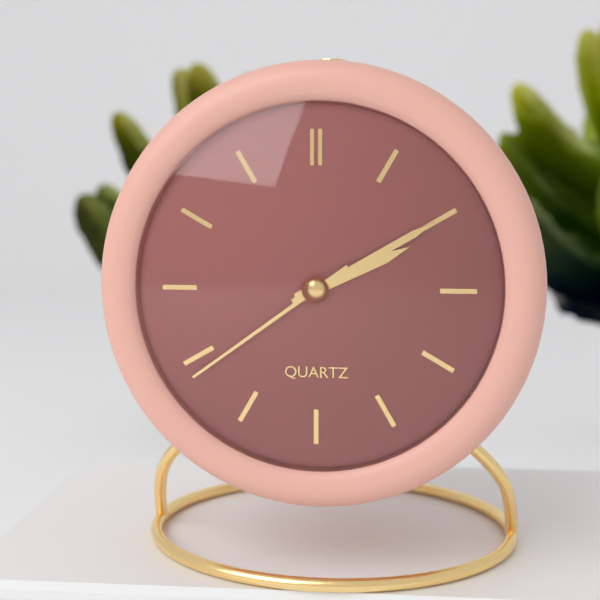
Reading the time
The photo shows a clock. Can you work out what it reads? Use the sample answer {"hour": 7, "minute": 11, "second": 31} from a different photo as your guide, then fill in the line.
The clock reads {"hour": 2, "minute": 10, "second": 39}
